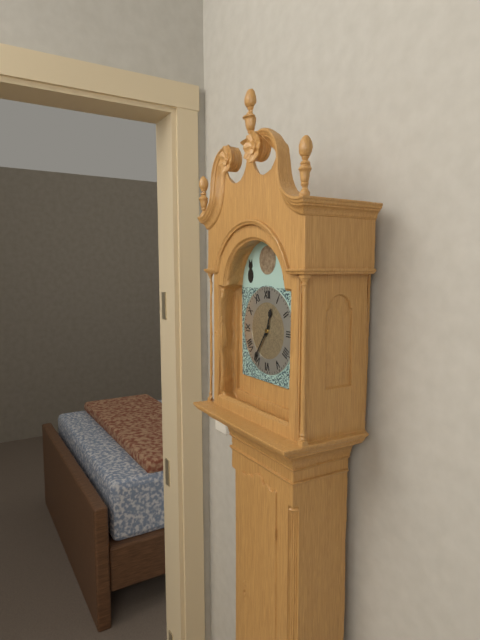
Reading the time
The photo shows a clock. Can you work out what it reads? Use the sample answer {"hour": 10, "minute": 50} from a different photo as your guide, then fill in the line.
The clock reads {"hour": 12, "minute": 36}
